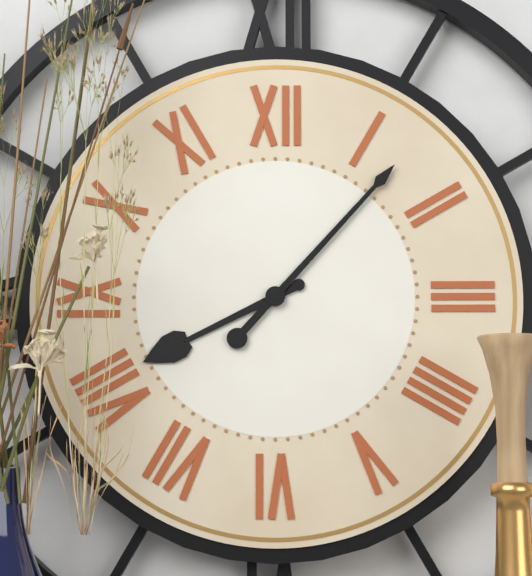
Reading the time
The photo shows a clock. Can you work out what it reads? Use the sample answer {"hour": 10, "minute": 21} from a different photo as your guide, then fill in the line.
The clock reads {"hour": 8, "minute": 7}
